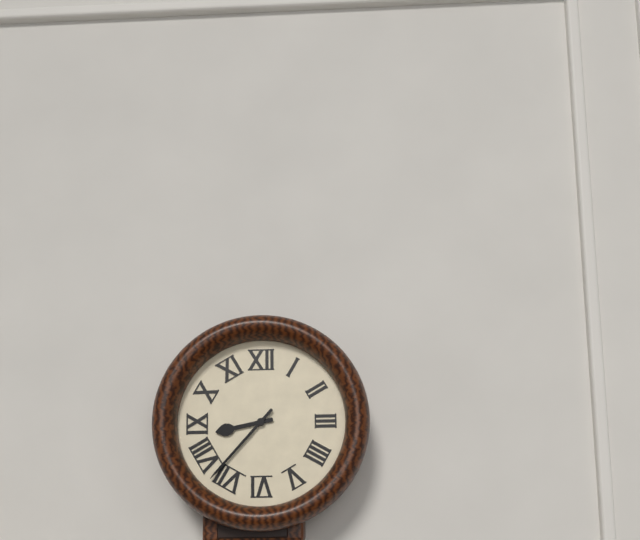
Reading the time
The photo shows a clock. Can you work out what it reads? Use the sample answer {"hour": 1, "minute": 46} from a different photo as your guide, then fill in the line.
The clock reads {"hour": 8, "minute": 37}
